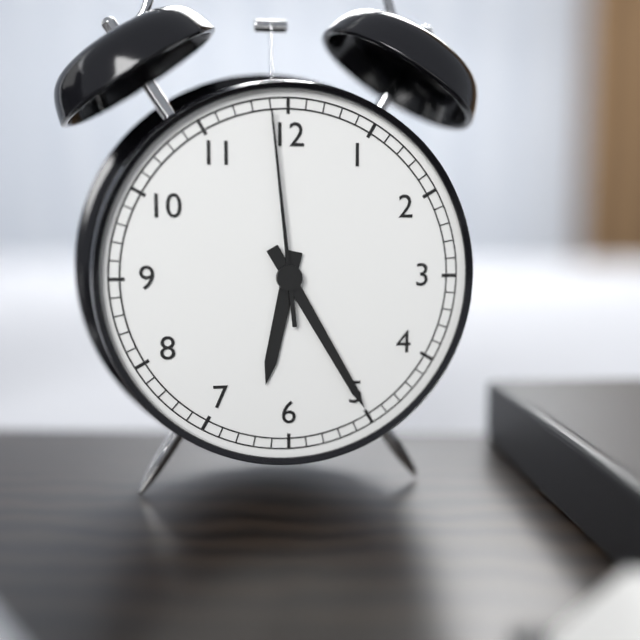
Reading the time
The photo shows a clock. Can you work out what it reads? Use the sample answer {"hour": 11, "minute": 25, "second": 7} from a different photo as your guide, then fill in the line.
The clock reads {"hour": 6, "minute": 25, "second": 59}
